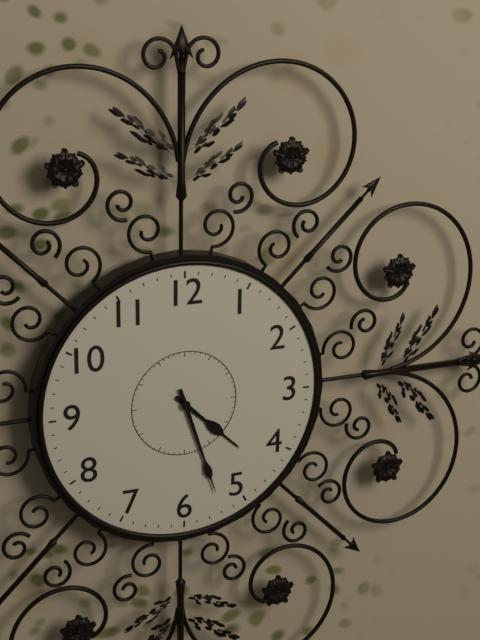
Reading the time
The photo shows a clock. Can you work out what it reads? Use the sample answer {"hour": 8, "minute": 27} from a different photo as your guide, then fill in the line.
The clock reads {"hour": 4, "minute": 27}
